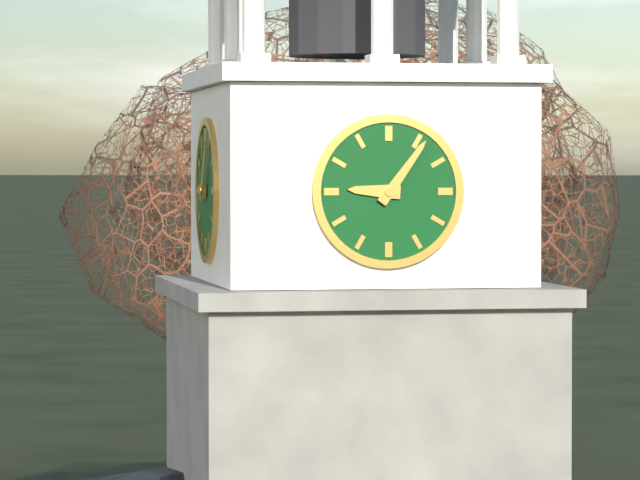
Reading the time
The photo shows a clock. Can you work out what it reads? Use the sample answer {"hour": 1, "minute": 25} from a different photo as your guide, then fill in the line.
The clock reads {"hour": 9, "minute": 6}
